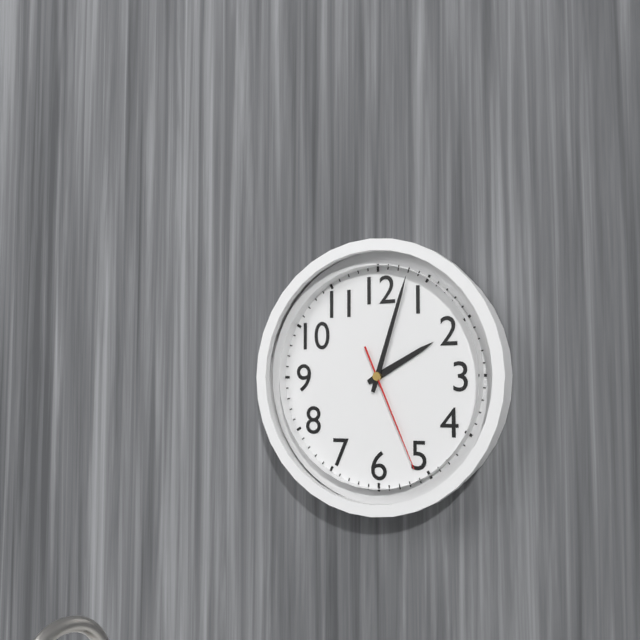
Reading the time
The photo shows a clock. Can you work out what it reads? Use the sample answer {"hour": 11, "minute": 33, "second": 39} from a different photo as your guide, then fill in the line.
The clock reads {"hour": 2, "minute": 3, "second": 26}
